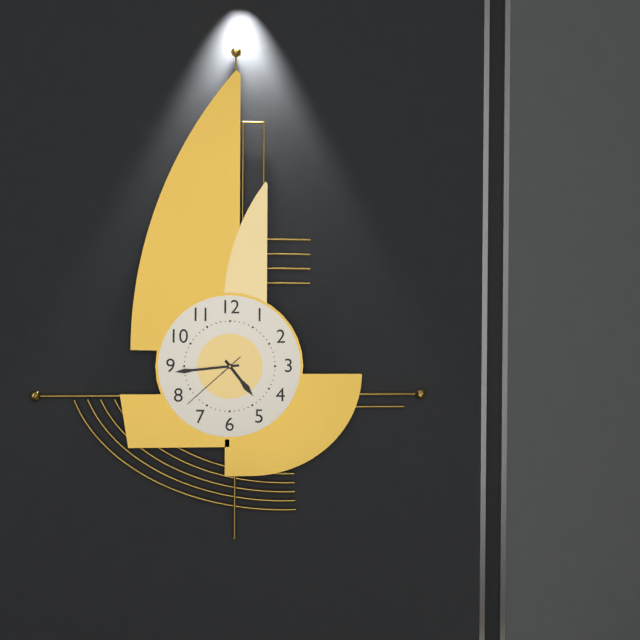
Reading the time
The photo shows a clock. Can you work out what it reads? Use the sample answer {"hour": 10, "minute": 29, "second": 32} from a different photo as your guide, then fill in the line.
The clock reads {"hour": 4, "minute": 44, "second": 38}
